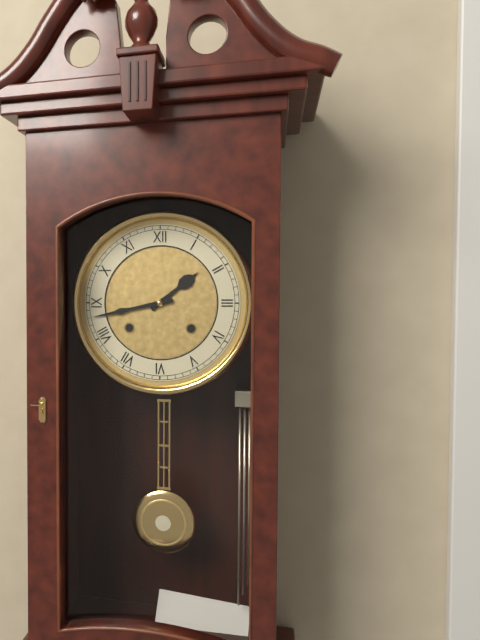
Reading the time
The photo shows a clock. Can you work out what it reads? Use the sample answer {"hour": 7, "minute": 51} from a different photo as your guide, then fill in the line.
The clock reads {"hour": 1, "minute": 43}
